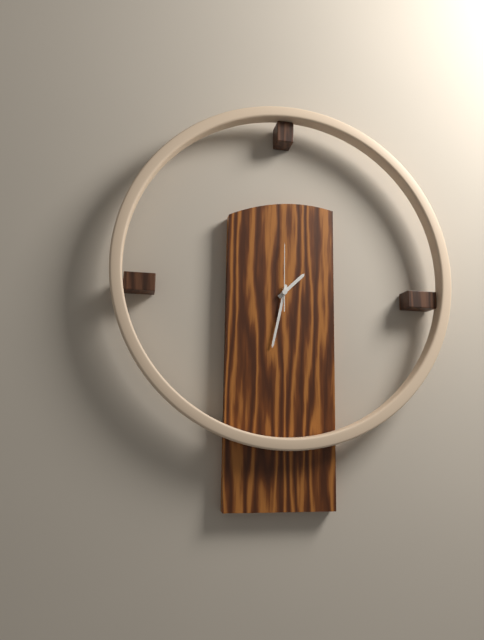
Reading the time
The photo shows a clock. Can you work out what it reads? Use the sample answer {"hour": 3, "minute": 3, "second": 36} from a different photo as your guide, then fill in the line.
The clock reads {"hour": 1, "minute": 32, "second": 0}
